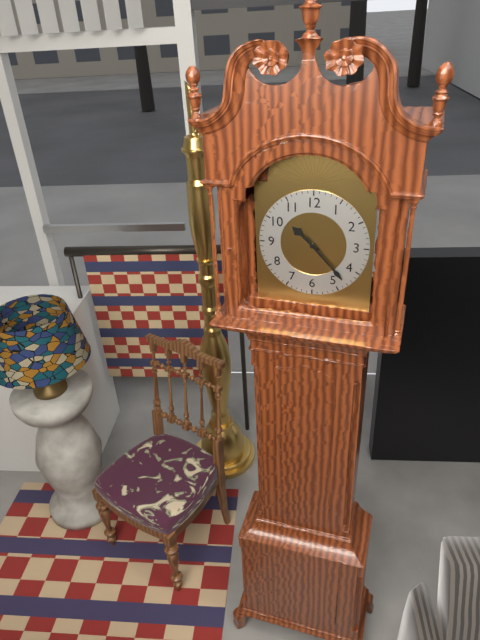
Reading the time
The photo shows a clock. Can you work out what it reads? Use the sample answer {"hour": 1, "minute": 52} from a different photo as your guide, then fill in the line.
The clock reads {"hour": 10, "minute": 23}
